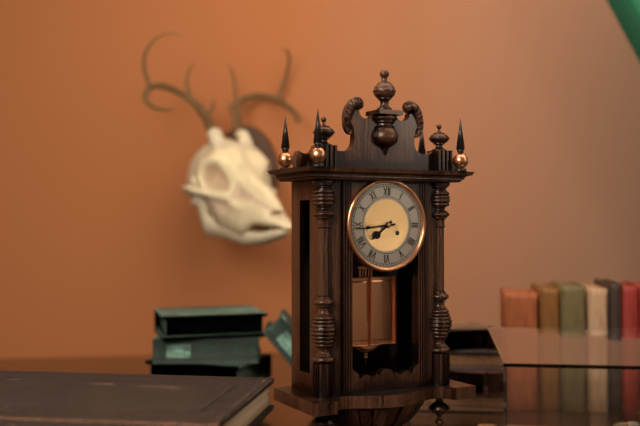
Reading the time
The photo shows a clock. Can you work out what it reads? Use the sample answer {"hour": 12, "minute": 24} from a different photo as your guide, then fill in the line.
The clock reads {"hour": 7, "minute": 44}
